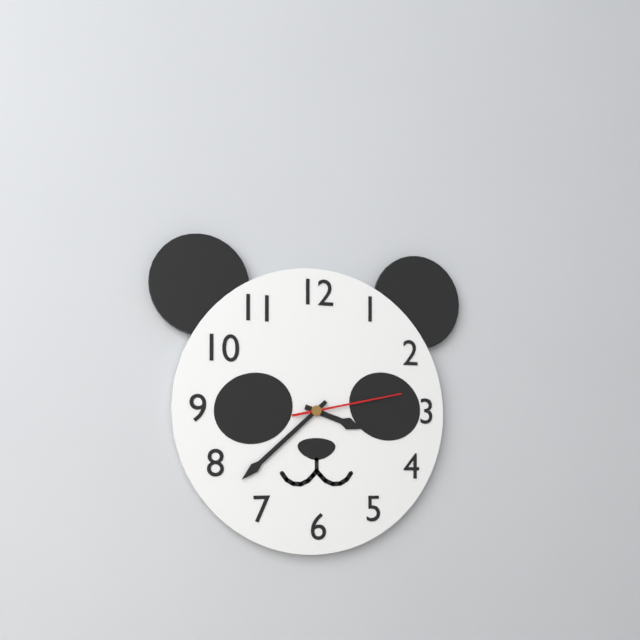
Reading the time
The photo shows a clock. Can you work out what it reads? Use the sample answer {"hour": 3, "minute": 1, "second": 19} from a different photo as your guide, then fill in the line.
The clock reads {"hour": 3, "minute": 38, "second": 13}
